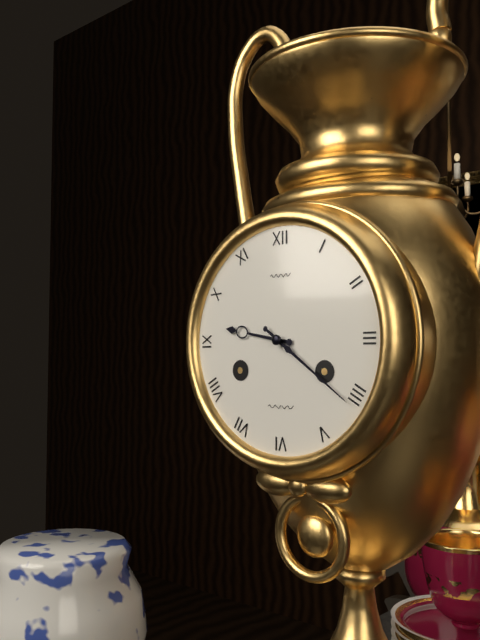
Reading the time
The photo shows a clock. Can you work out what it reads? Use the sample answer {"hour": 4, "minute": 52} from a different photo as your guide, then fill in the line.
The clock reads {"hour": 9, "minute": 21}
